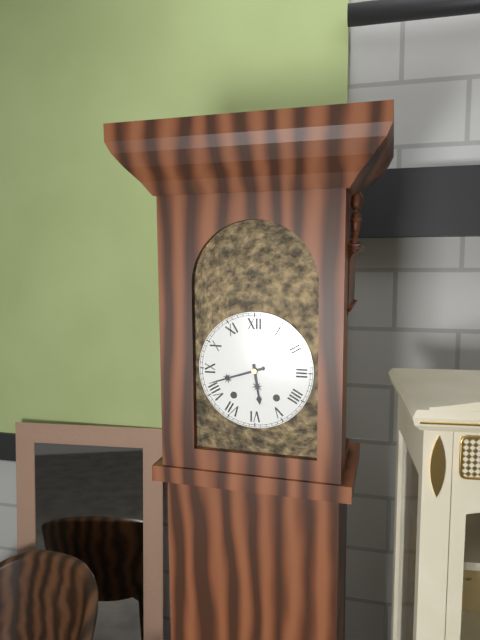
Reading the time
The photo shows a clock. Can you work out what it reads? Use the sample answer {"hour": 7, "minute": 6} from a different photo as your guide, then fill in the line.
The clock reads {"hour": 5, "minute": 42}
